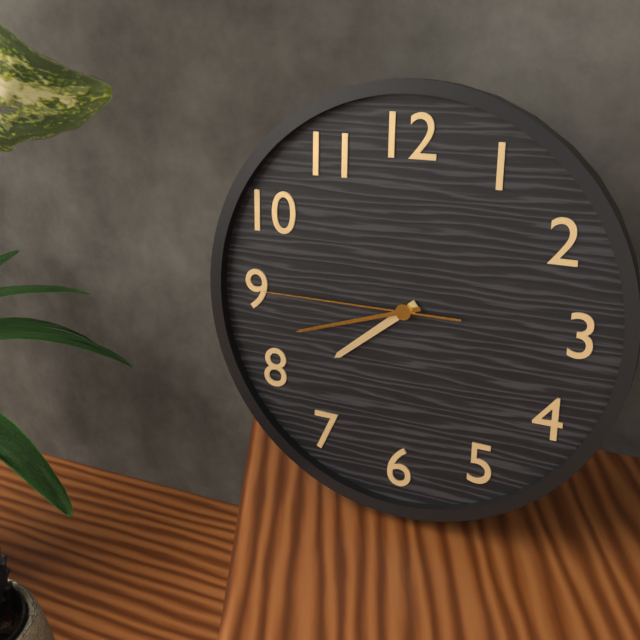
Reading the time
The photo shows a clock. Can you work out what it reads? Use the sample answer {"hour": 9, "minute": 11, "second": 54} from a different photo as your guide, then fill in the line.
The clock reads {"hour": 7, "minute": 42, "second": 45}
